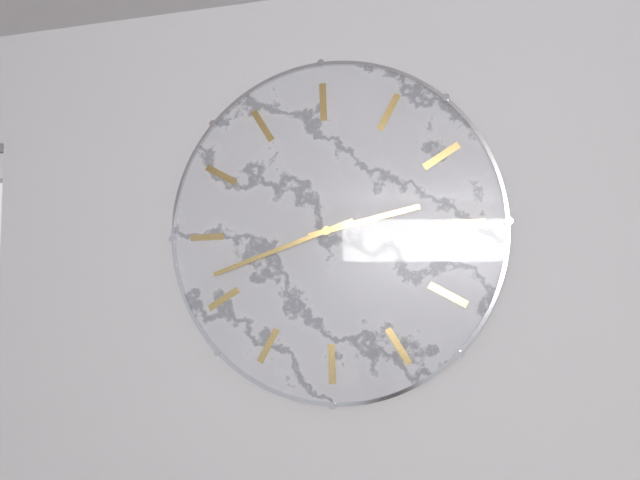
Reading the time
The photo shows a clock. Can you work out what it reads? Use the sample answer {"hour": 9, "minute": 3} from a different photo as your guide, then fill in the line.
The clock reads {"hour": 1, "minute": 37}
